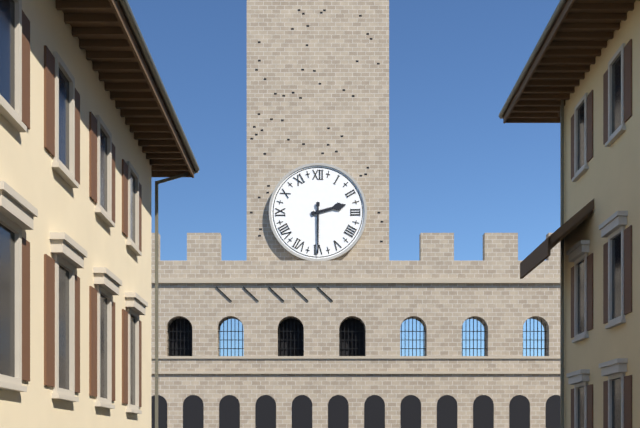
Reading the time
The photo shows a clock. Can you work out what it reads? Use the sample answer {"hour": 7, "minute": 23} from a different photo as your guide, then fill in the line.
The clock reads {"hour": 2, "minute": 30}
